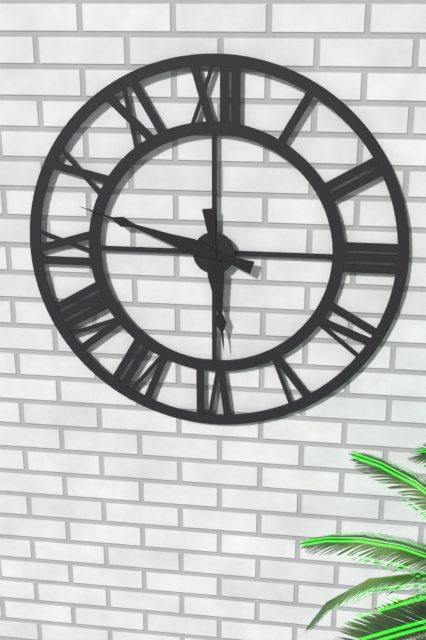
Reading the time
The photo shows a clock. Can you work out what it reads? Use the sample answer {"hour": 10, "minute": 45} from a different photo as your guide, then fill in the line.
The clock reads {"hour": 5, "minute": 48}
